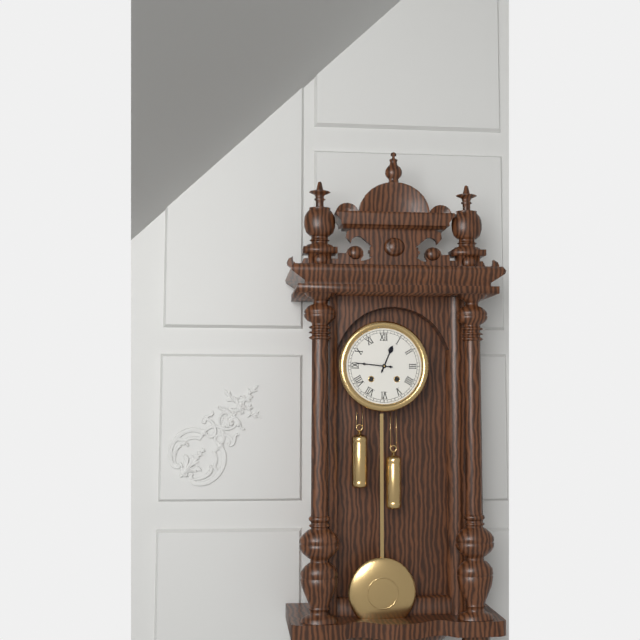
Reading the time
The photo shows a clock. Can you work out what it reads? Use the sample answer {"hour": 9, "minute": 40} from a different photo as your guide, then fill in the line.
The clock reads {"hour": 12, "minute": 46}
